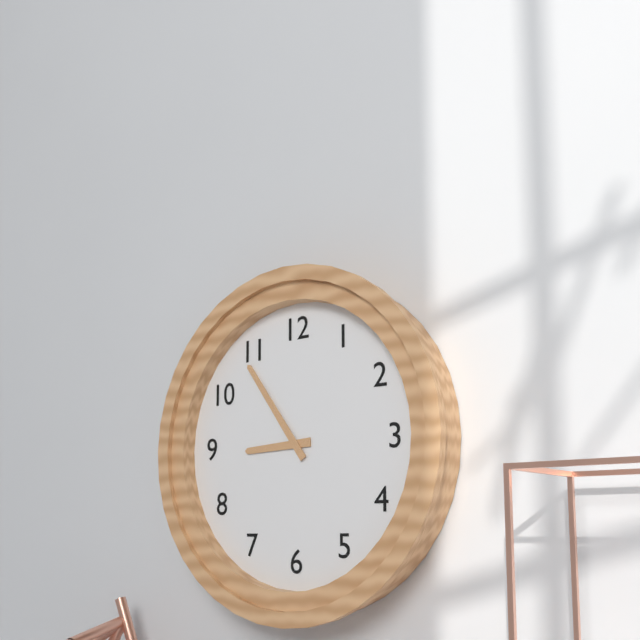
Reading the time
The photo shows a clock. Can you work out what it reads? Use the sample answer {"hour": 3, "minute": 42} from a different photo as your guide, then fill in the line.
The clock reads {"hour": 8, "minute": 54}
